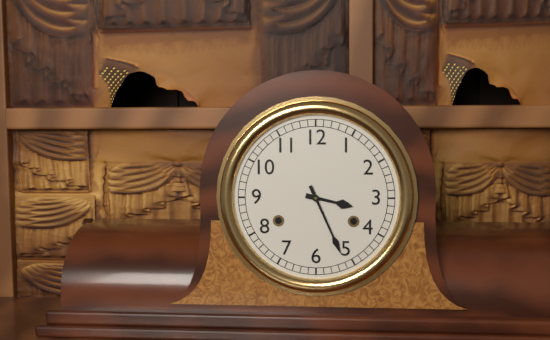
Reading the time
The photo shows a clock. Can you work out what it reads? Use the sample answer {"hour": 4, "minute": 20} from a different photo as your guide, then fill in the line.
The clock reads {"hour": 3, "minute": 26}
